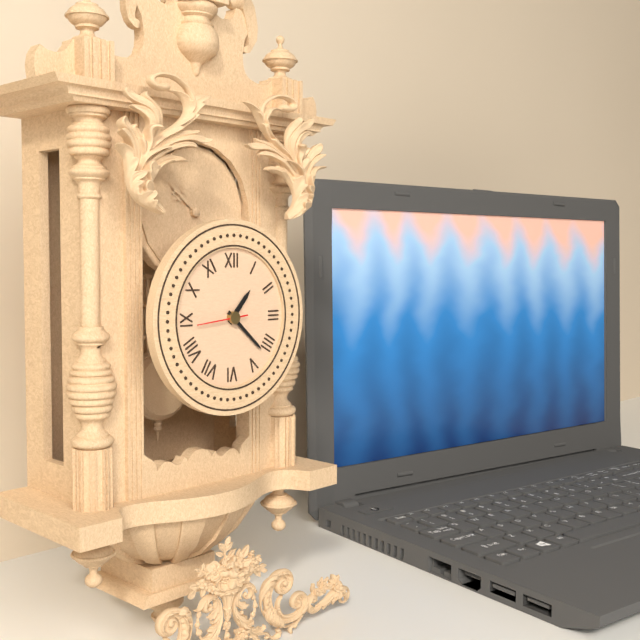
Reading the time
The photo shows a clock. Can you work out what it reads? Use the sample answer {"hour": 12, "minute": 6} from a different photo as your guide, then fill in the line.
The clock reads {"hour": 1, "minute": 22}
